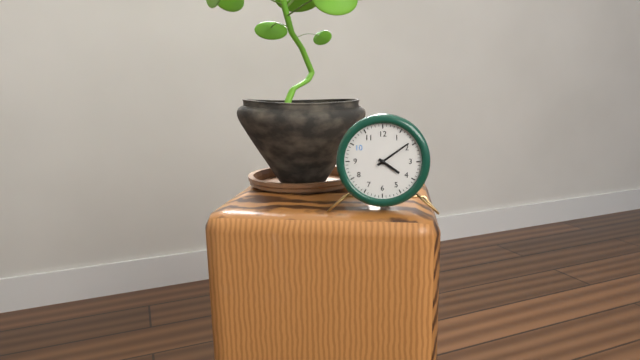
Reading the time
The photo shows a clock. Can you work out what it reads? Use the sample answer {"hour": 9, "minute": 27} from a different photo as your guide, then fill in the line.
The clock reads {"hour": 4, "minute": 9}
